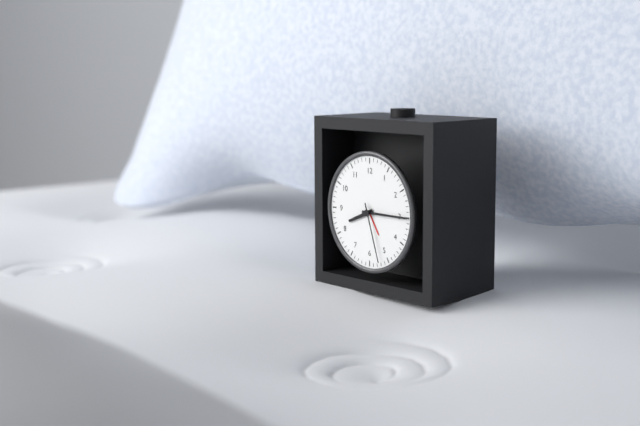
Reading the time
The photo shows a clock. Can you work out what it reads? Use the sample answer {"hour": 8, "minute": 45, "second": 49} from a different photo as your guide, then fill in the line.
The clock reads {"hour": 8, "minute": 15, "second": 27}
